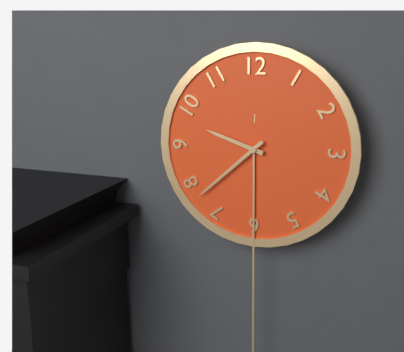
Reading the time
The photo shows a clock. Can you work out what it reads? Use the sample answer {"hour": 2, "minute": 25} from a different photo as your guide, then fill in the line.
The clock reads {"hour": 9, "minute": 38}
